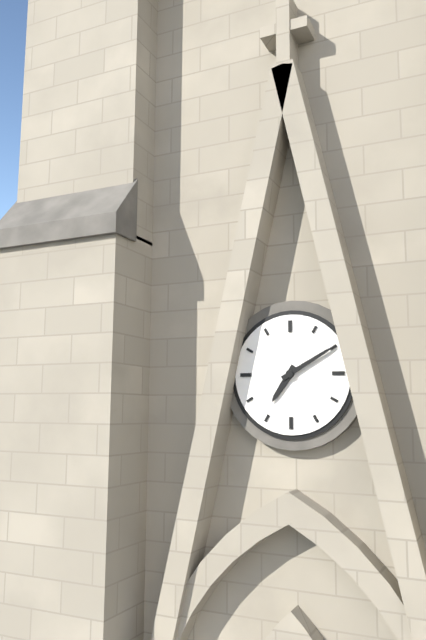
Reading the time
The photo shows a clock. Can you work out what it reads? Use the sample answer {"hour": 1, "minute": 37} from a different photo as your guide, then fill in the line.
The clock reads {"hour": 7, "minute": 10}
